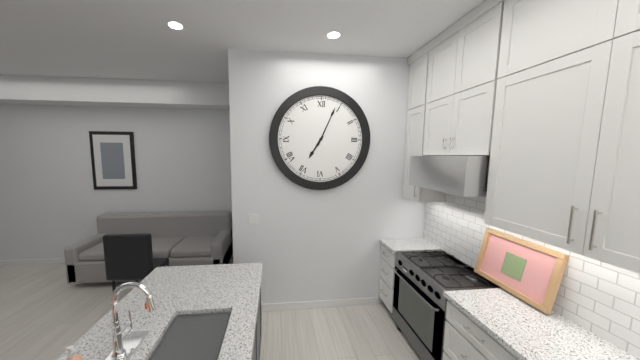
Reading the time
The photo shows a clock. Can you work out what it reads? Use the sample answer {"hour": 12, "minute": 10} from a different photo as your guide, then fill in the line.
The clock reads {"hour": 7, "minute": 4}
